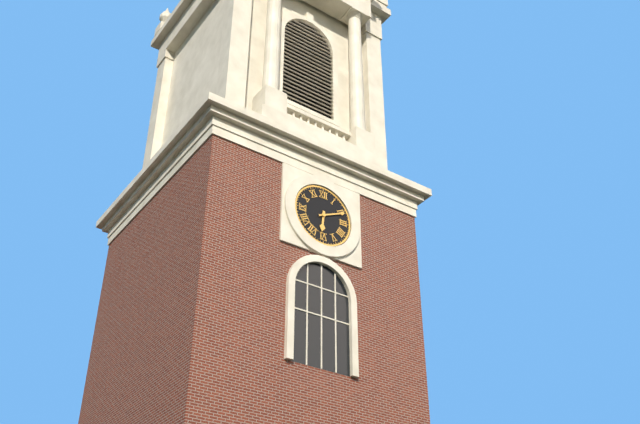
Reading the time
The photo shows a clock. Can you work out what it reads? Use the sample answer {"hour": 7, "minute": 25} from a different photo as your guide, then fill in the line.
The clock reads {"hour": 6, "minute": 11}
